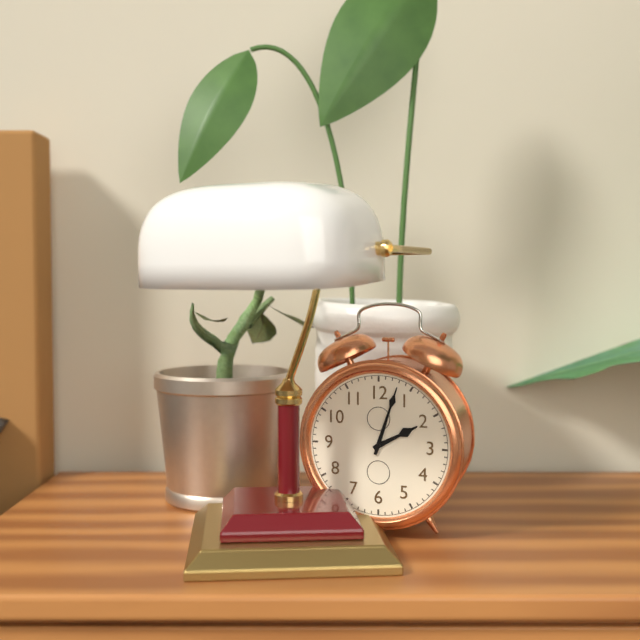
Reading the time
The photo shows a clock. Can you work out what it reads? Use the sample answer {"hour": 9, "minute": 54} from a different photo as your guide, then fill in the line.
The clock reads {"hour": 2, "minute": 3}
